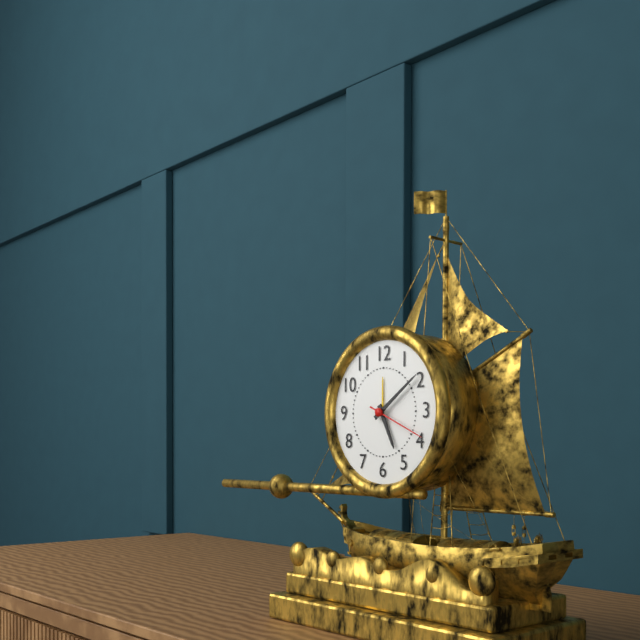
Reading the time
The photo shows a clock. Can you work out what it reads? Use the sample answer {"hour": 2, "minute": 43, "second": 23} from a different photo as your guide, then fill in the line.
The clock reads {"hour": 5, "minute": 9, "second": 19}
